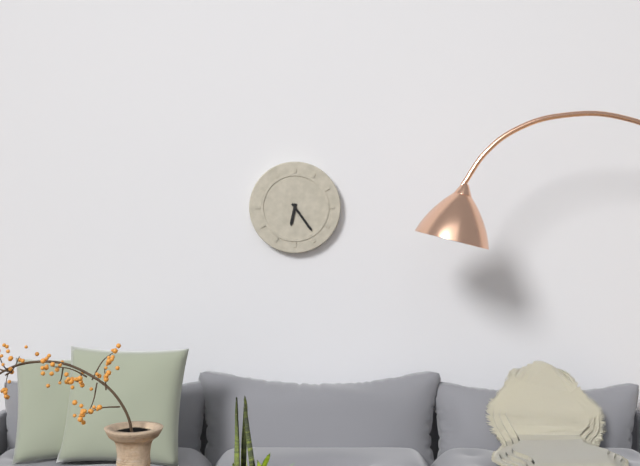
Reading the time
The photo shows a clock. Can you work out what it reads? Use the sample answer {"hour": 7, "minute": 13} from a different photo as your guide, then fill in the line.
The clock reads {"hour": 6, "minute": 24}
